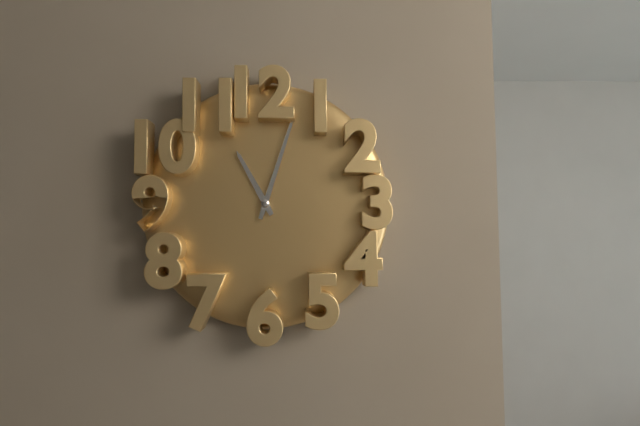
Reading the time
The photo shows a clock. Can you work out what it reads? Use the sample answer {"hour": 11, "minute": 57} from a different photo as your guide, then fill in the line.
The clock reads {"hour": 11, "minute": 3}
